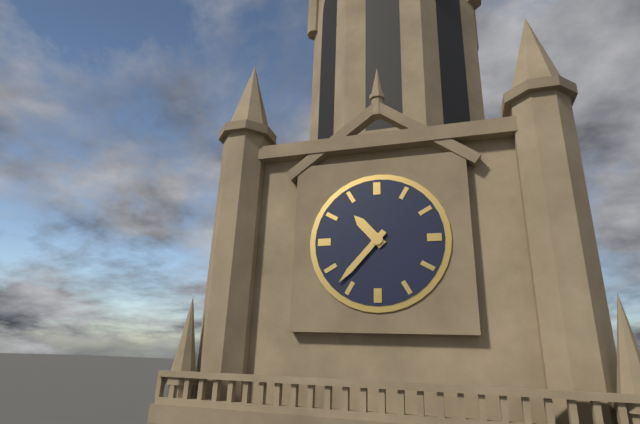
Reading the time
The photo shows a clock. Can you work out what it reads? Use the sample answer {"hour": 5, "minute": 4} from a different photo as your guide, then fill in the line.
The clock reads {"hour": 10, "minute": 37}
